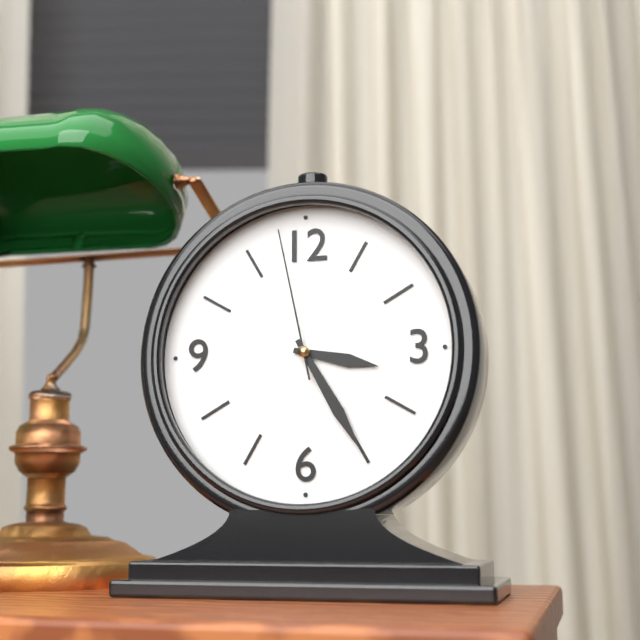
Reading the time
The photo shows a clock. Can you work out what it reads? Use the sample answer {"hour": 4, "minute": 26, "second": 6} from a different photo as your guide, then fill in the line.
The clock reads {"hour": 3, "minute": 25, "second": 58}
